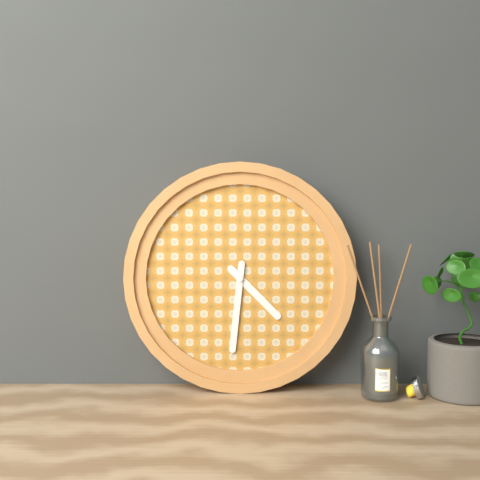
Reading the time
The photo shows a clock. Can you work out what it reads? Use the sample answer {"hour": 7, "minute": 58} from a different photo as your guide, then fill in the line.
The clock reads {"hour": 4, "minute": 31}
